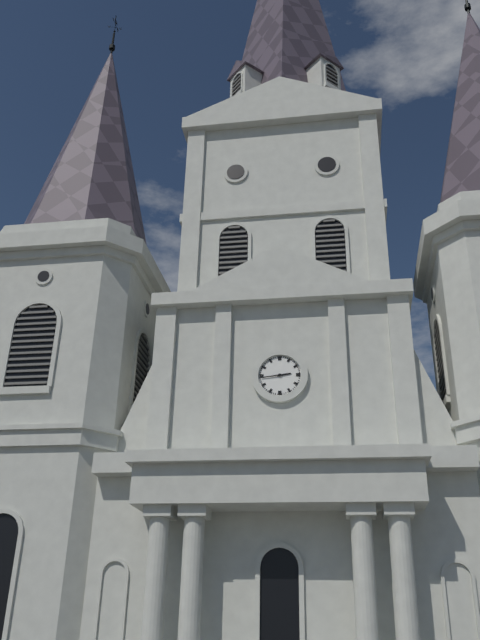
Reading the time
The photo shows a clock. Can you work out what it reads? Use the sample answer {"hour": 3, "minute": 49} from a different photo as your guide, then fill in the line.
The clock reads {"hour": 2, "minute": 44}
